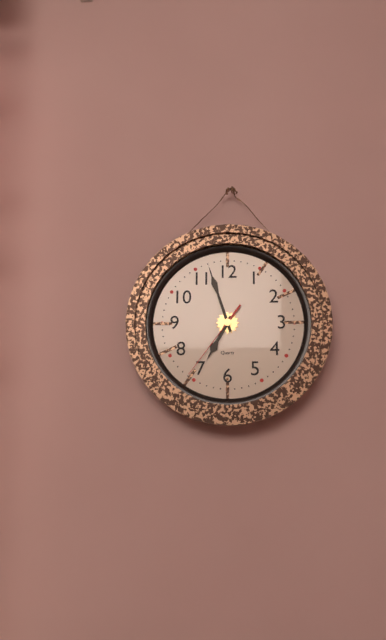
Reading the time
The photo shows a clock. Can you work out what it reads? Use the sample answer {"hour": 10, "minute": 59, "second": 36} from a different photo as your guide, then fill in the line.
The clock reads {"hour": 6, "minute": 57, "second": 36}
